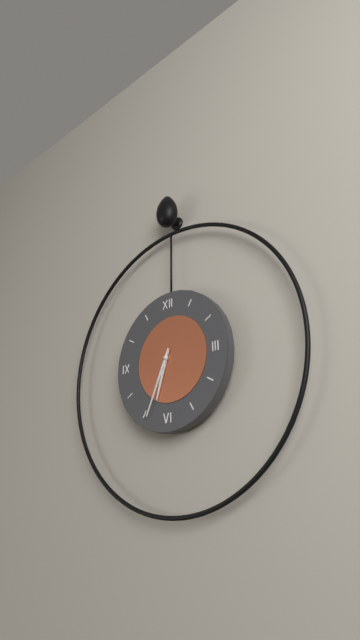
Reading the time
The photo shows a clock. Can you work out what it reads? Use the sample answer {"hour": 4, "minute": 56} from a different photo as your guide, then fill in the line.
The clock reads {"hour": 6, "minute": 34}
